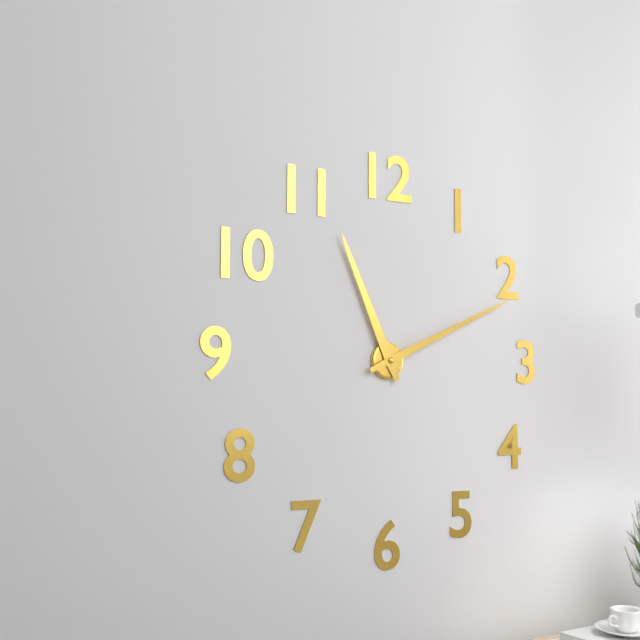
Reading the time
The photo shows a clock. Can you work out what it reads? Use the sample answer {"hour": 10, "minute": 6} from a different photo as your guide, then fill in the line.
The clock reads {"hour": 11, "minute": 11}
